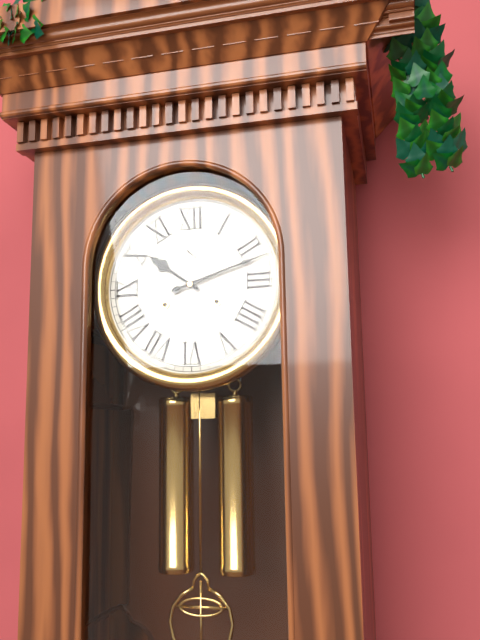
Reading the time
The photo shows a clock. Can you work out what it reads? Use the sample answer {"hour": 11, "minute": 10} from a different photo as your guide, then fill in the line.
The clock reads {"hour": 10, "minute": 12}
